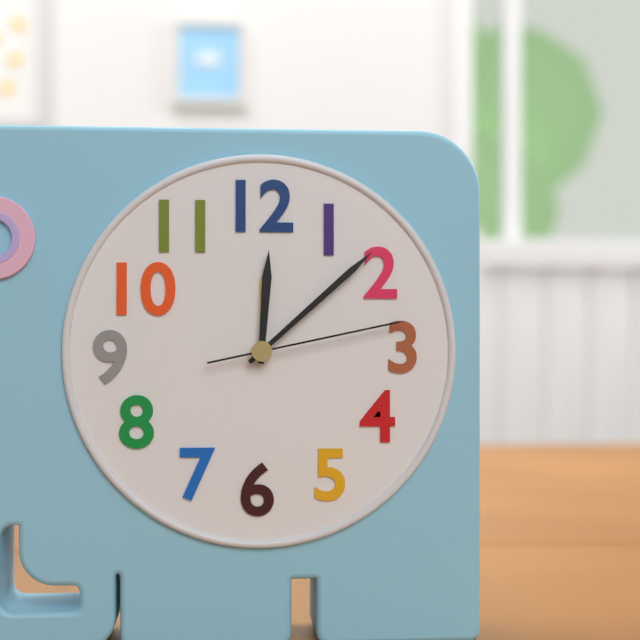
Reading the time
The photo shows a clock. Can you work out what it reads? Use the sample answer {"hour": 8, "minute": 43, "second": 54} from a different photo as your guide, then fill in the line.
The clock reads {"hour": 12, "minute": 8, "second": 13}
